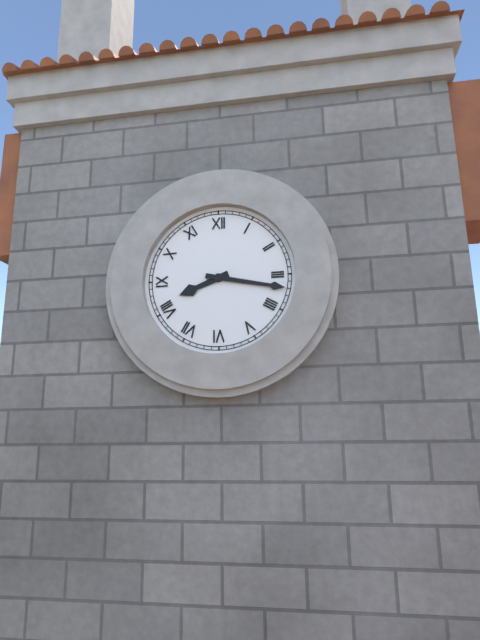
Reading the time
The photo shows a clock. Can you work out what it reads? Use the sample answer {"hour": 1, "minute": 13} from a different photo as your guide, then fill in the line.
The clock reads {"hour": 8, "minute": 17}
